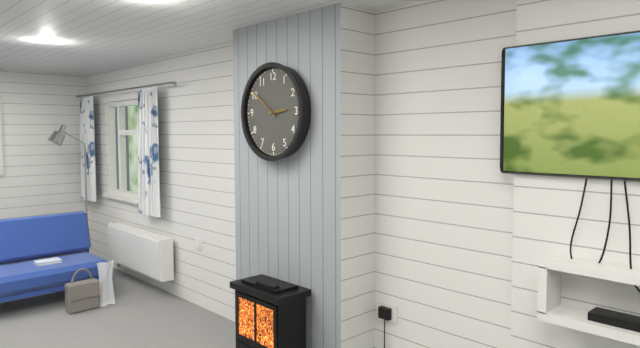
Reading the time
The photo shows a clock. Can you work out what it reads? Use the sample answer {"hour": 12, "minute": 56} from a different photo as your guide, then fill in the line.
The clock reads {"hour": 2, "minute": 51}
